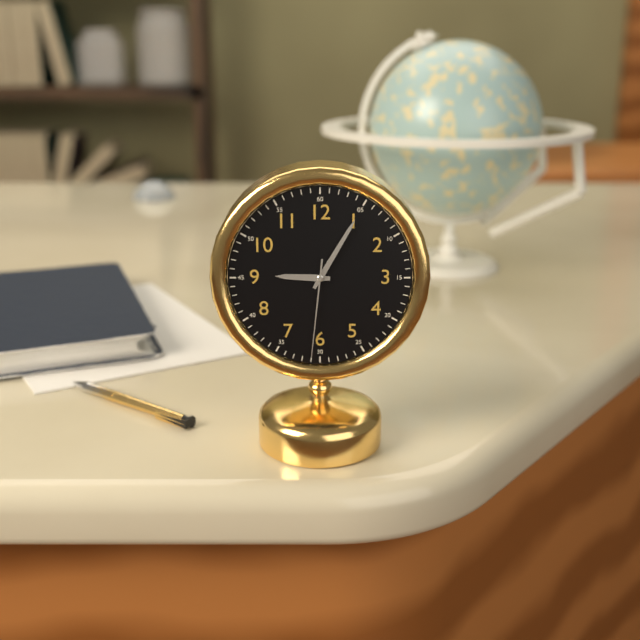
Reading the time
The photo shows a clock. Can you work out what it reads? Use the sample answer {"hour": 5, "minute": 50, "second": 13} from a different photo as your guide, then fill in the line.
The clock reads {"hour": 9, "minute": 5, "second": 31}
